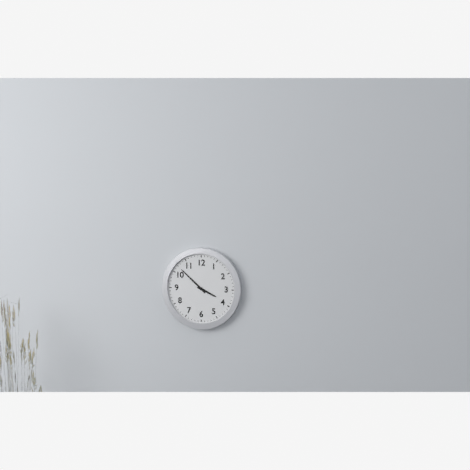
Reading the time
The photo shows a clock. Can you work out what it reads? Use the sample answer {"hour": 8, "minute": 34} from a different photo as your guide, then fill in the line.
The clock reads {"hour": 3, "minute": 52}
